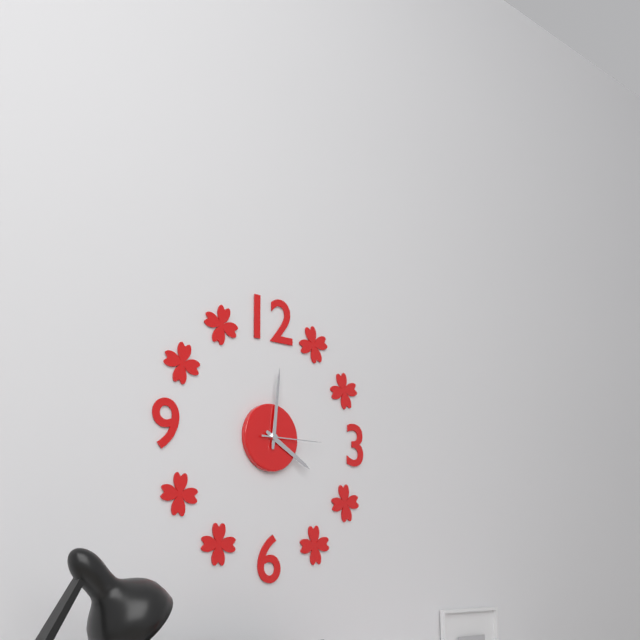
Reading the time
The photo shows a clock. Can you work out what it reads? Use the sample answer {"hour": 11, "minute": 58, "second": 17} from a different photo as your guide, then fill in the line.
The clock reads {"hour": 4, "minute": 1, "second": 15}
